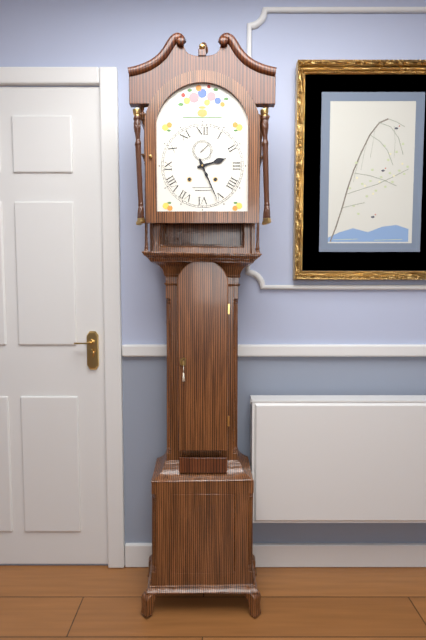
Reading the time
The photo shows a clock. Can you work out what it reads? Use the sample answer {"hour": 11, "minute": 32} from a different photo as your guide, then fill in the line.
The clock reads {"hour": 2, "minute": 26}
